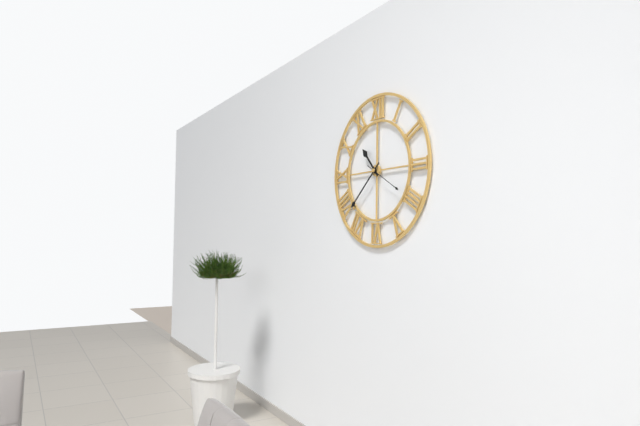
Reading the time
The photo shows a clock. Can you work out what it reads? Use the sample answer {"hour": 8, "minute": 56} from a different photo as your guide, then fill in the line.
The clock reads {"hour": 10, "minute": 38}
